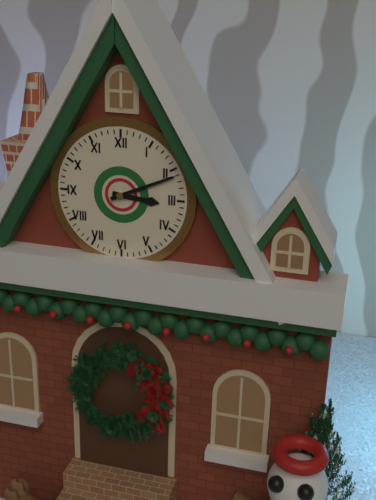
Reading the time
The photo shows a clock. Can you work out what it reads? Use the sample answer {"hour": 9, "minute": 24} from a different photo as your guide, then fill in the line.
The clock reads {"hour": 3, "minute": 11}
